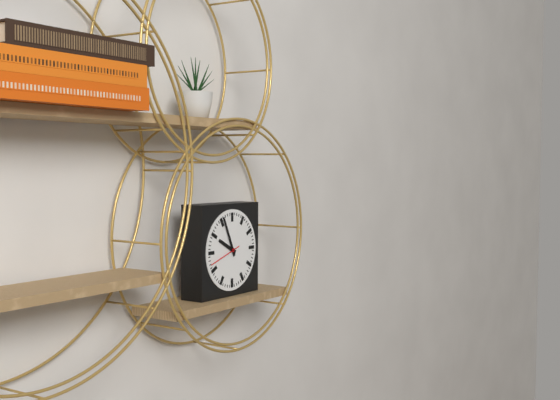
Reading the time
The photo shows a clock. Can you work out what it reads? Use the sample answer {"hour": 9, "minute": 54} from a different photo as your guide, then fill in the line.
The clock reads {"hour": 9, "minute": 56}
